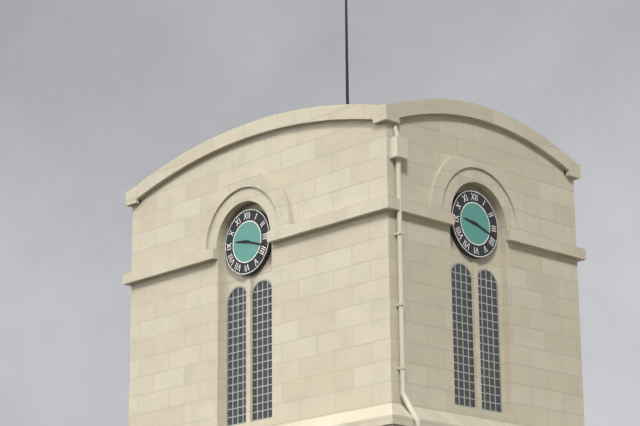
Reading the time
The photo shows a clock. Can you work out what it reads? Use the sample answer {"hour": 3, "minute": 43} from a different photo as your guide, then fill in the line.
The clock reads {"hour": 9, "minute": 18}
